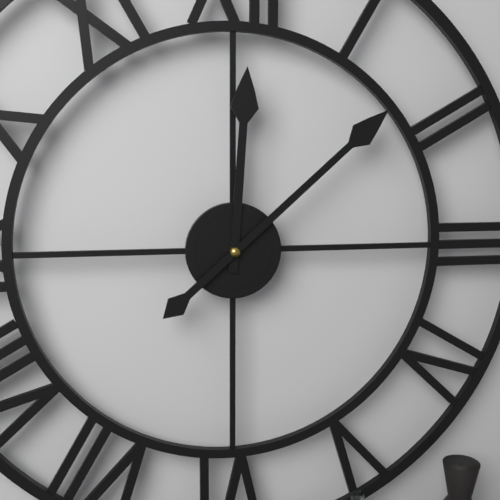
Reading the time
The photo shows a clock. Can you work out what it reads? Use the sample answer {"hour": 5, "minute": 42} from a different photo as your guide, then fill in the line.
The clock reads {"hour": 12, "minute": 8}
